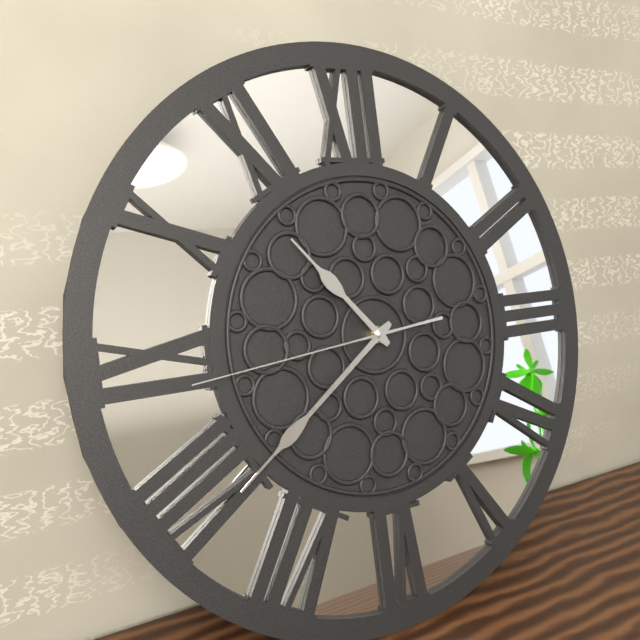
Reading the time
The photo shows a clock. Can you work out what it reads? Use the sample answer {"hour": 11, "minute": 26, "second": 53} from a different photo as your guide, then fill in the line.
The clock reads {"hour": 10, "minute": 39, "second": 44}
